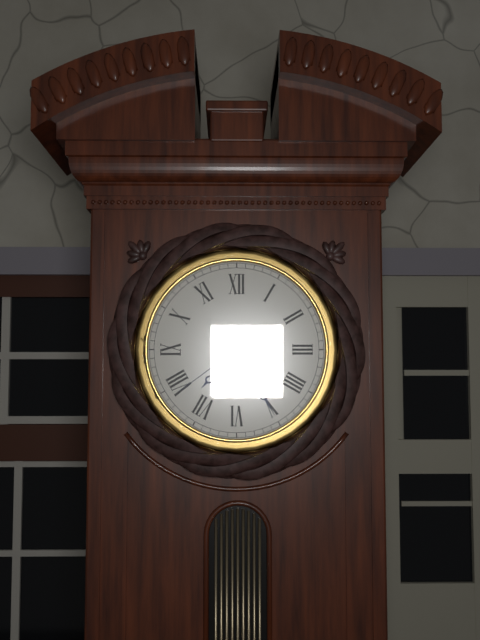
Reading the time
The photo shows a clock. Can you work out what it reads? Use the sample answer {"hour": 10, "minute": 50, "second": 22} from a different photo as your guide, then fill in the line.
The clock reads {"hour": 7, "minute": 25, "second": 39}
